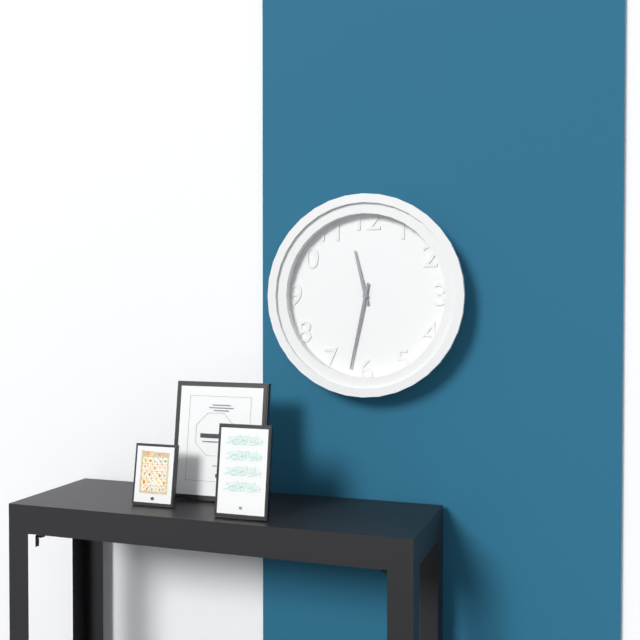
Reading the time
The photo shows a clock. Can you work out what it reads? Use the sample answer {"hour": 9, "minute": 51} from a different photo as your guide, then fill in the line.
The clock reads {"hour": 11, "minute": 32}
